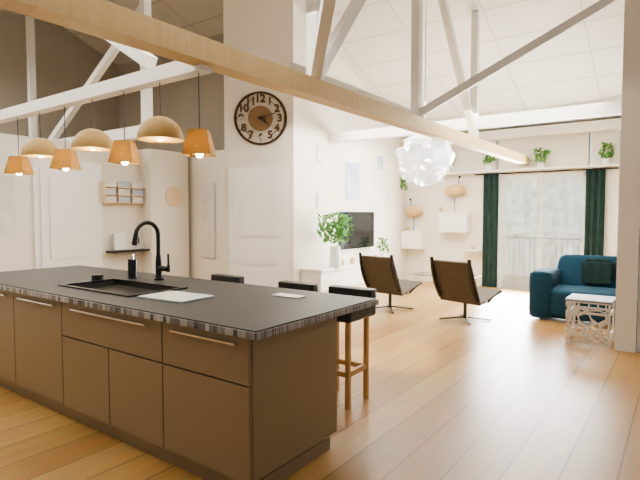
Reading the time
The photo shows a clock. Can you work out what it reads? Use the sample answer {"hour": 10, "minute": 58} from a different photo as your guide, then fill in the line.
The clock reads {"hour": 4, "minute": 12}
